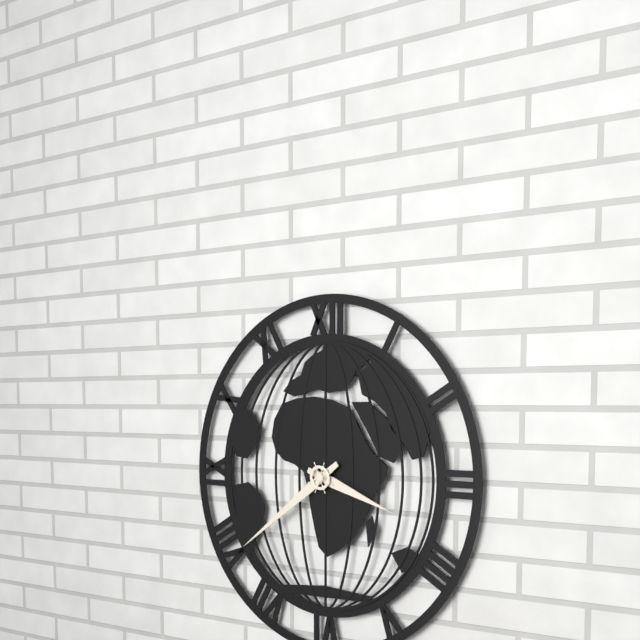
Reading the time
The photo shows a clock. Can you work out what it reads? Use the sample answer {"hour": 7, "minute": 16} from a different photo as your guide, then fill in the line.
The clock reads {"hour": 3, "minute": 39}
